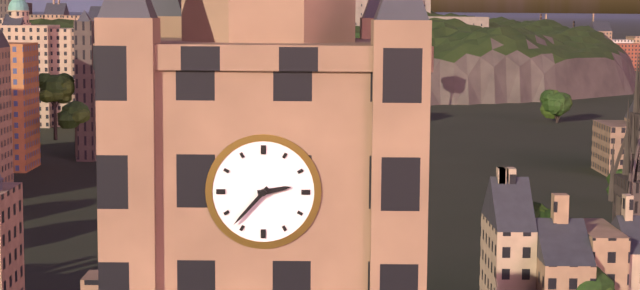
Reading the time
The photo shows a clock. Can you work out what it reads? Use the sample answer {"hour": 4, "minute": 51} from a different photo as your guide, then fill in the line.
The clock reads {"hour": 2, "minute": 37}
